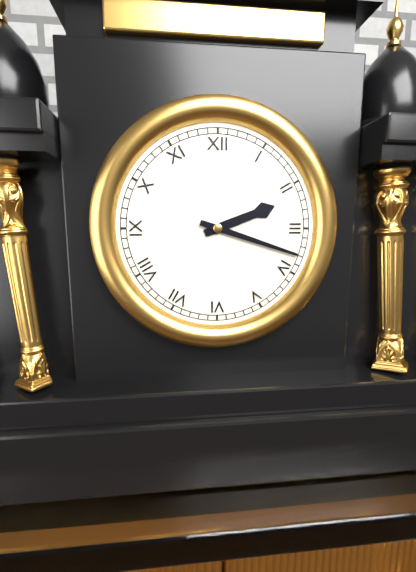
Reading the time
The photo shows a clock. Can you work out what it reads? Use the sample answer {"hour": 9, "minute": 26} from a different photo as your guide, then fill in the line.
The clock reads {"hour": 2, "minute": 18}
